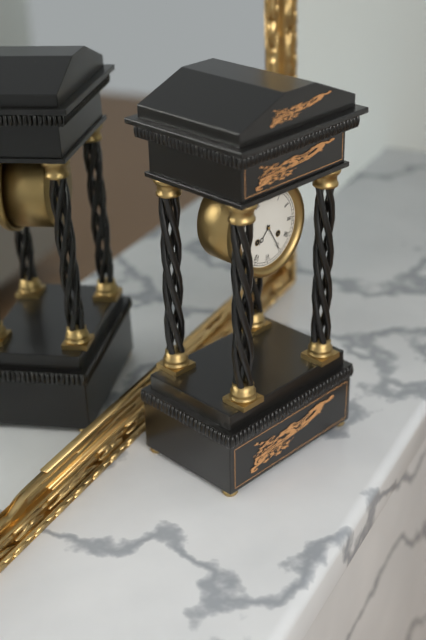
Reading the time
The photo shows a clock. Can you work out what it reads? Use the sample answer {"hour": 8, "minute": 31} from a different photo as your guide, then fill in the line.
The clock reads {"hour": 7, "minute": 25}
